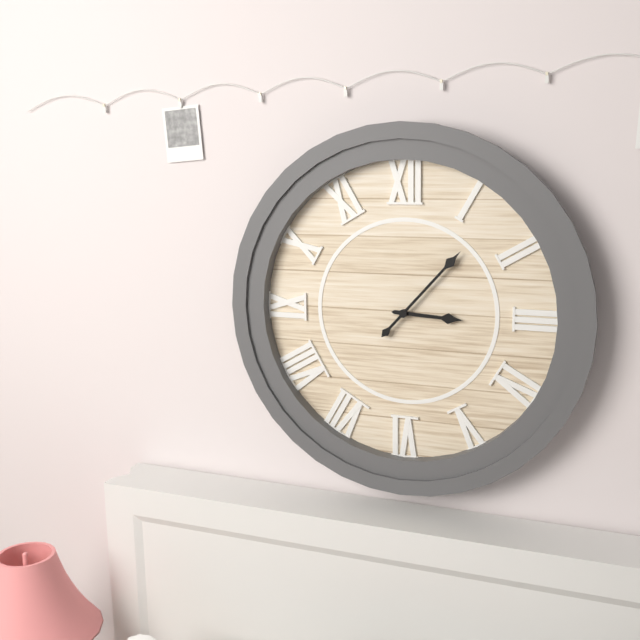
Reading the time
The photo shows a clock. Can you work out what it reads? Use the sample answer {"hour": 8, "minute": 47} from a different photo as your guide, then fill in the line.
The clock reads {"hour": 3, "minute": 7}
